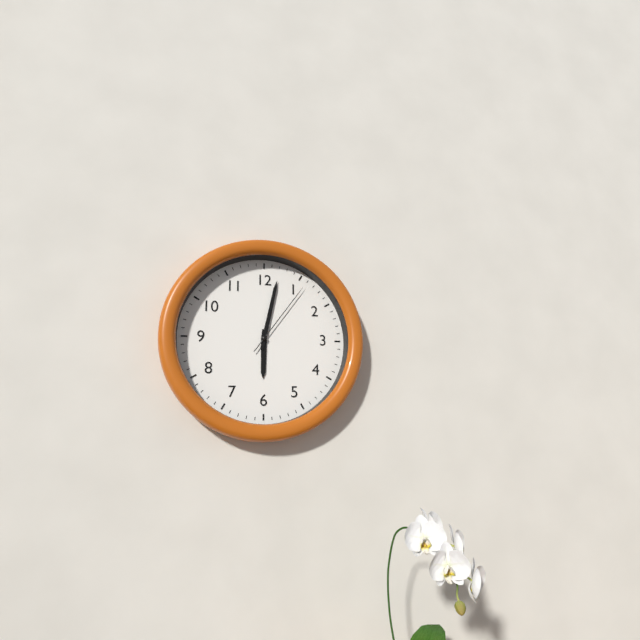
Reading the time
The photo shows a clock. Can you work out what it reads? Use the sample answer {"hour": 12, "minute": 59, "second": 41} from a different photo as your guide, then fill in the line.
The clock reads {"hour": 6, "minute": 2, "second": 6}
